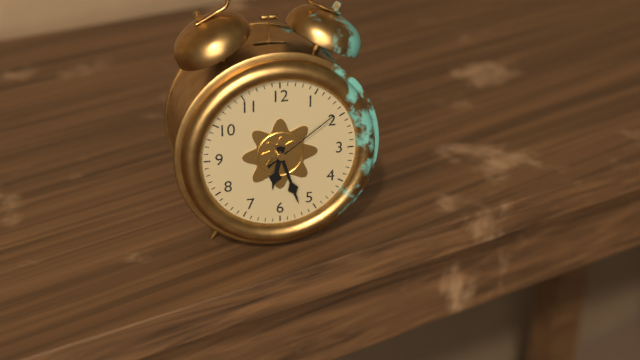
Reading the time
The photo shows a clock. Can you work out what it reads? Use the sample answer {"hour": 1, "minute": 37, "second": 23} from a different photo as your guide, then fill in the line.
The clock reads {"hour": 6, "minute": 27, "second": 9}
